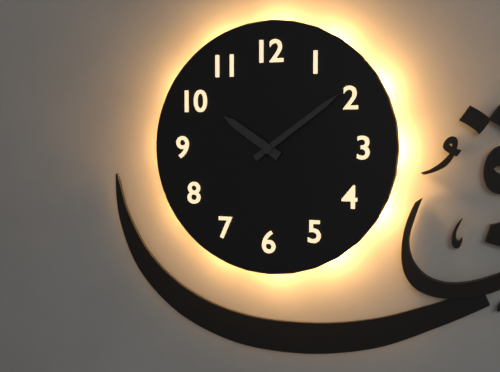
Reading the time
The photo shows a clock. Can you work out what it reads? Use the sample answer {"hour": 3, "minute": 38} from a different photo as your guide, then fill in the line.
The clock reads {"hour": 10, "minute": 9}
